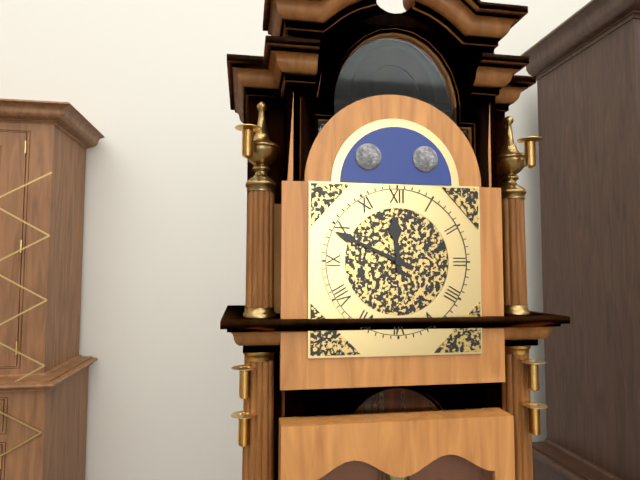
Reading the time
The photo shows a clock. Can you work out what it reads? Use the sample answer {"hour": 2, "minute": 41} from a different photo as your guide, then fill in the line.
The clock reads {"hour": 11, "minute": 49}
